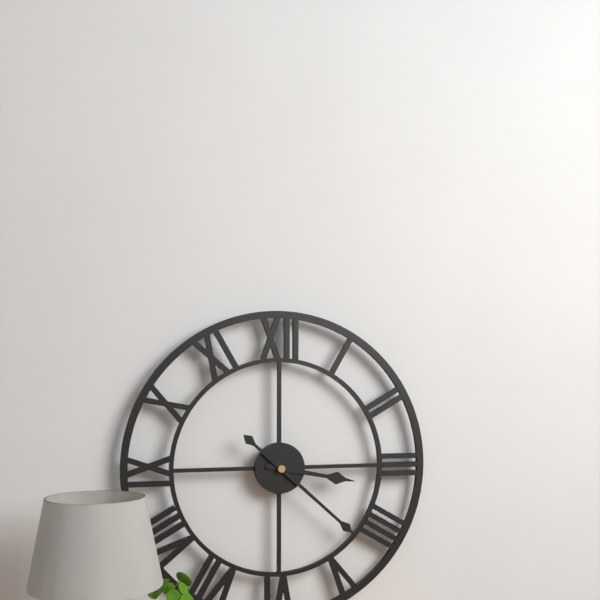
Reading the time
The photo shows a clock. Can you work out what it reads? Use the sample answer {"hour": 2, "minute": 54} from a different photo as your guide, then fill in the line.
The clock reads {"hour": 3, "minute": 22}
